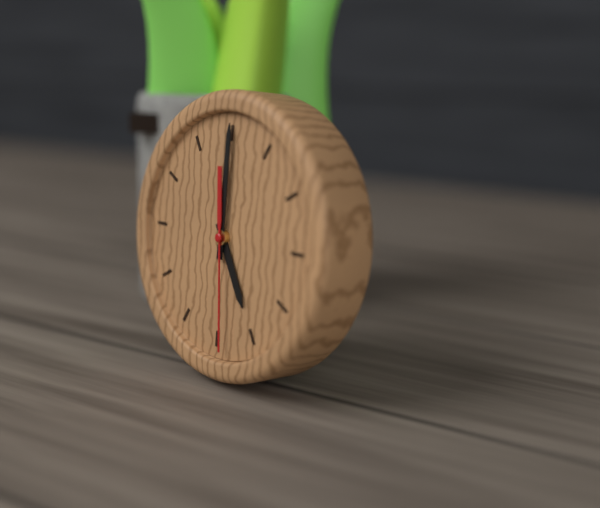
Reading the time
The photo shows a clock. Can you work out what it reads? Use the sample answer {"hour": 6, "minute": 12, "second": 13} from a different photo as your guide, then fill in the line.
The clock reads {"hour": 5, "minute": 0, "second": 29}
